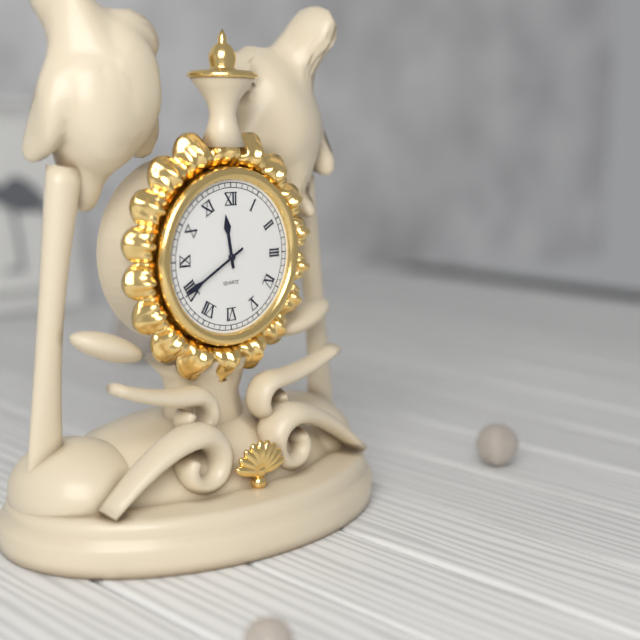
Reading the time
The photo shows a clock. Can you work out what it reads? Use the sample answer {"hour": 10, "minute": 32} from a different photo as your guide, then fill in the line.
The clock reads {"hour": 11, "minute": 40}
